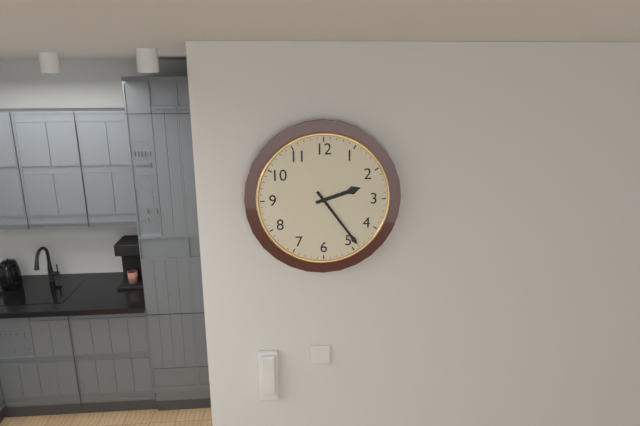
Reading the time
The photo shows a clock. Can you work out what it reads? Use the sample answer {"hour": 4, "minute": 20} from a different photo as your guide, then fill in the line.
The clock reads {"hour": 2, "minute": 24}
